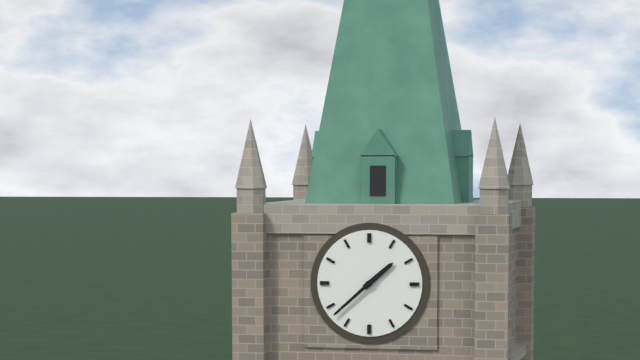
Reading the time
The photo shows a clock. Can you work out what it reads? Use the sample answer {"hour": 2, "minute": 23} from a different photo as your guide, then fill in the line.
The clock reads {"hour": 1, "minute": 38}
